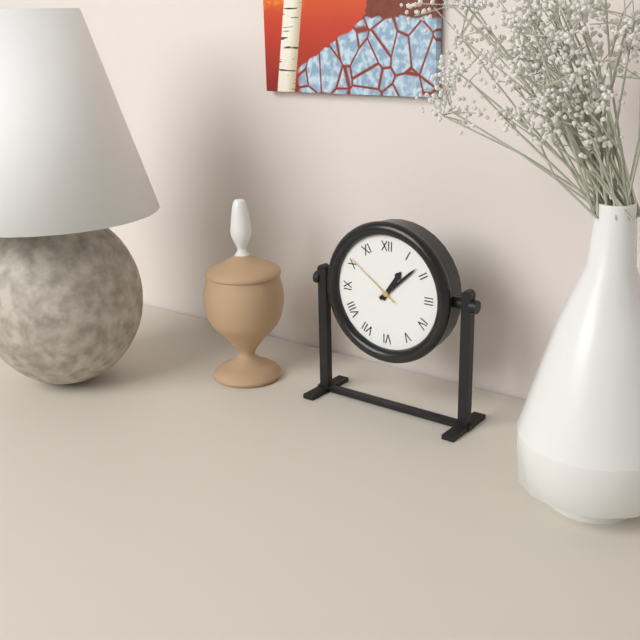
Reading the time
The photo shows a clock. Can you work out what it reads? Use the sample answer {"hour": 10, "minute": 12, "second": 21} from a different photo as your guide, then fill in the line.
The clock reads {"hour": 1, "minute": 8, "second": 51}
